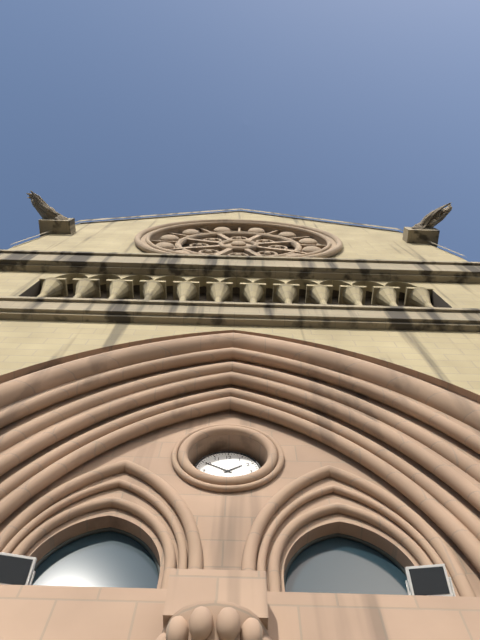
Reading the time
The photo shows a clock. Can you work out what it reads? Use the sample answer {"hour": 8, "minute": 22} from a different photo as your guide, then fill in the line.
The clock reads {"hour": 1, "minute": 50}
